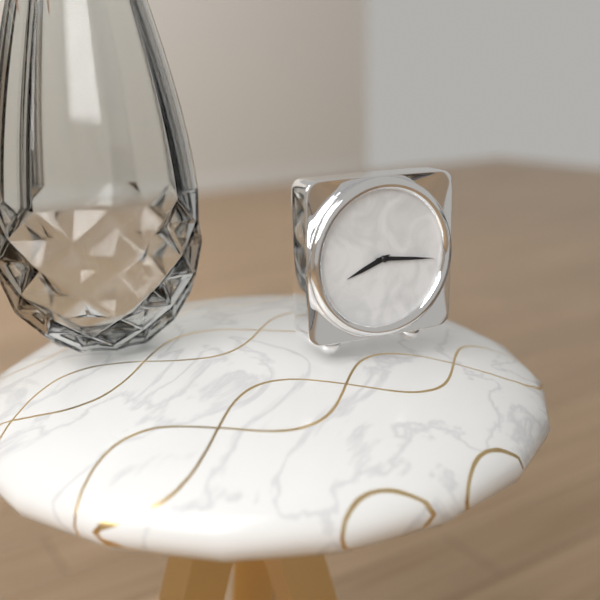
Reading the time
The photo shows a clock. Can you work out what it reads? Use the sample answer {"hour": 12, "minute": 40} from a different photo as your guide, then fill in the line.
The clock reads {"hour": 8, "minute": 16}
